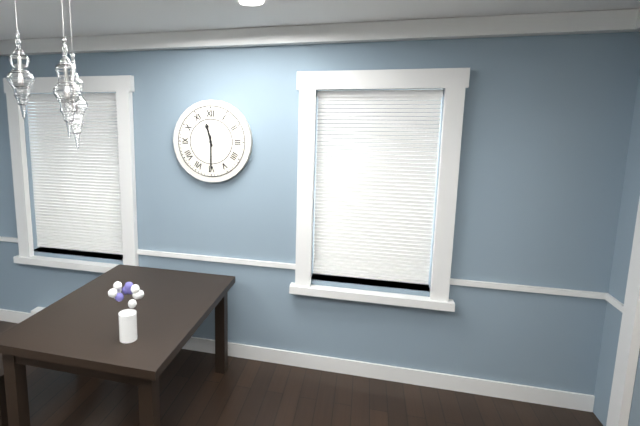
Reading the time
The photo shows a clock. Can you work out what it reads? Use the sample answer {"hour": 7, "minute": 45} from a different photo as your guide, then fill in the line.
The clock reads {"hour": 11, "minute": 30}
